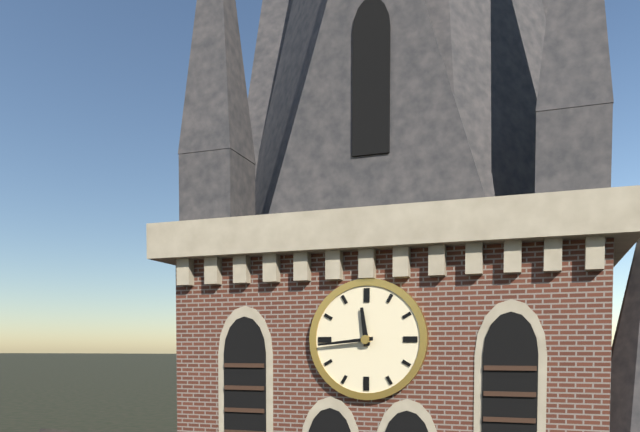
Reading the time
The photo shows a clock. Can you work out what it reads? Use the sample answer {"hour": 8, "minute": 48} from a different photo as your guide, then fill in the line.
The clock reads {"hour": 11, "minute": 44}
